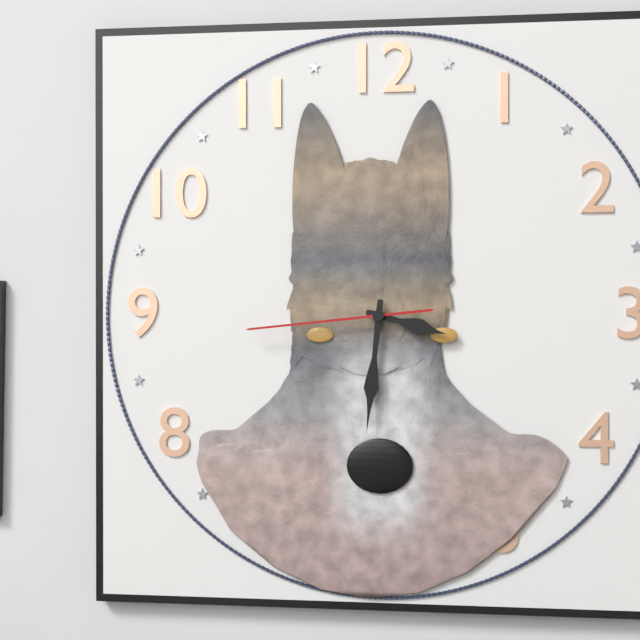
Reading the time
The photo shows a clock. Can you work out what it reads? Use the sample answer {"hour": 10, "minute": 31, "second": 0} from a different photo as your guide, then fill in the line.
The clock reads {"hour": 3, "minute": 31, "second": 44}
